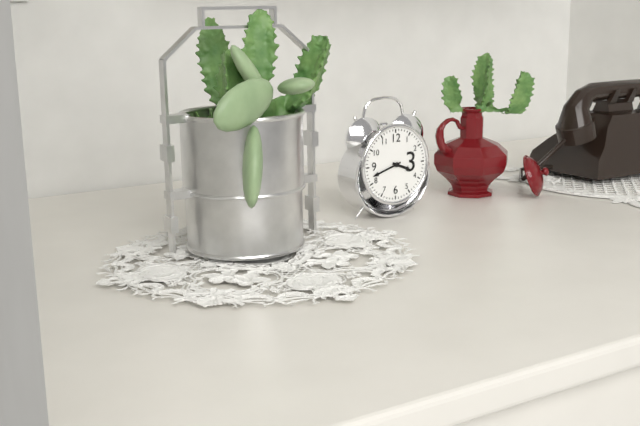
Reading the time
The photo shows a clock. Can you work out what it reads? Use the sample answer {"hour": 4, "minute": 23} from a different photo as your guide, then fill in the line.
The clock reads {"hour": 3, "minute": 42}
